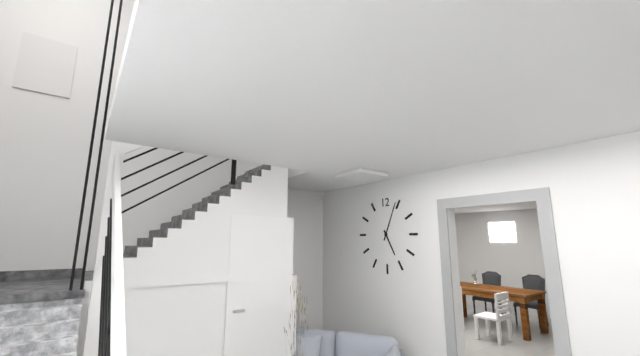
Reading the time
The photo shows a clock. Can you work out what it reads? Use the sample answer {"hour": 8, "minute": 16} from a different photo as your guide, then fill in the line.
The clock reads {"hour": 5, "minute": 4}
